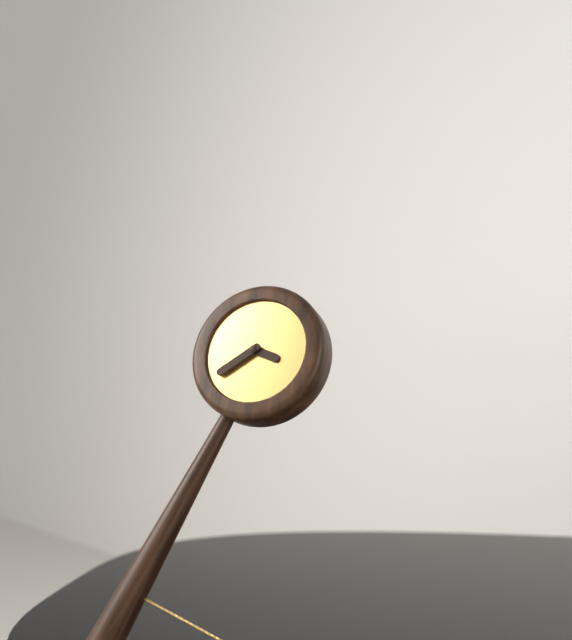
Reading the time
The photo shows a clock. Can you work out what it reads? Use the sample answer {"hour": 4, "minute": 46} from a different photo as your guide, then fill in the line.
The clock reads {"hour": 3, "minute": 39}
